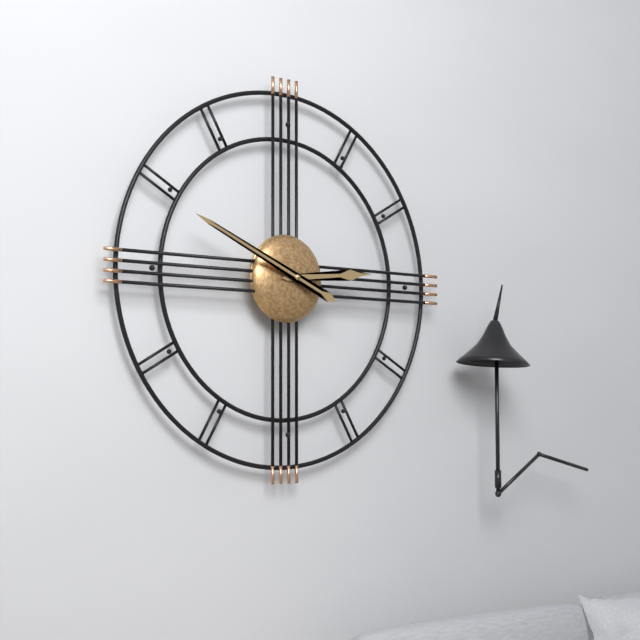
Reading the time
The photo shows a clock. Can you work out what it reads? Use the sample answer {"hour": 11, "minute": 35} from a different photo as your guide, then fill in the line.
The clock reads {"hour": 2, "minute": 49}
